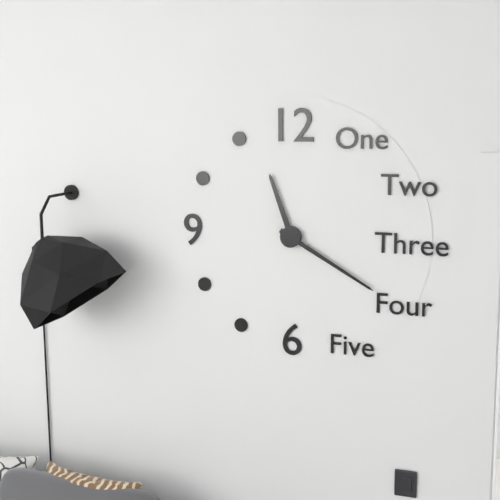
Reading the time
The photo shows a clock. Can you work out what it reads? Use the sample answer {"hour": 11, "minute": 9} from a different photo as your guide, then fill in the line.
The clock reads {"hour": 11, "minute": 20}
